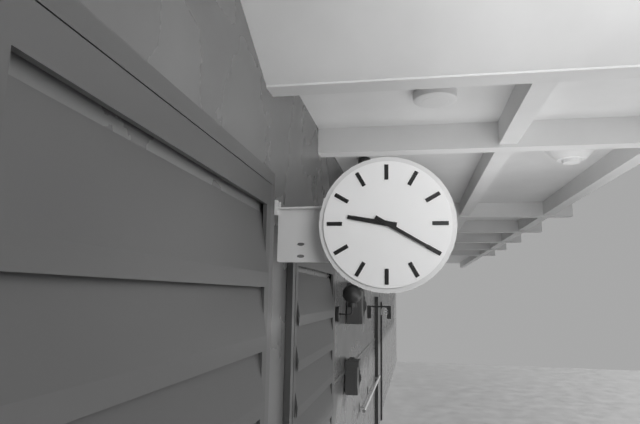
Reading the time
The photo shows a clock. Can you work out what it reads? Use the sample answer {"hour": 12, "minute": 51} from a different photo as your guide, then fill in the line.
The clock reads {"hour": 9, "minute": 20}
